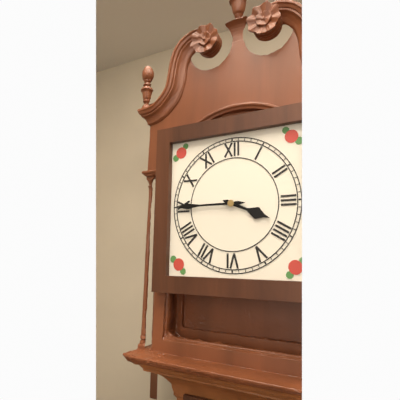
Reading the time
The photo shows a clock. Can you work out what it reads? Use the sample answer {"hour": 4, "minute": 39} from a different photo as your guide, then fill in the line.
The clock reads {"hour": 3, "minute": 45}
